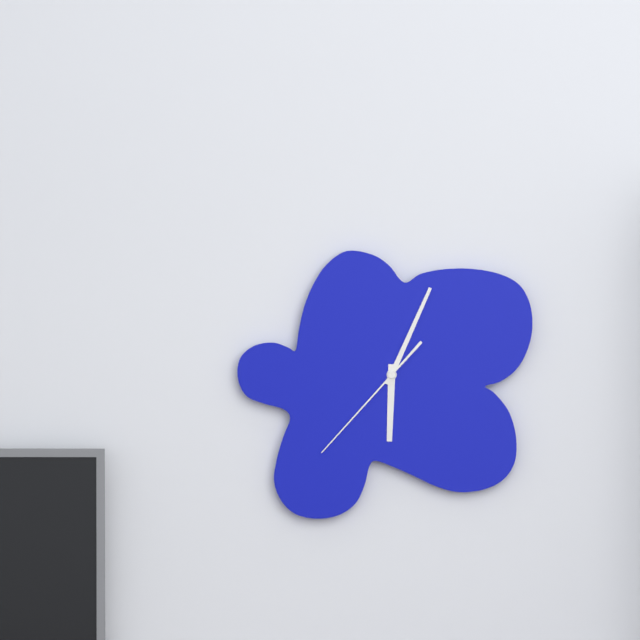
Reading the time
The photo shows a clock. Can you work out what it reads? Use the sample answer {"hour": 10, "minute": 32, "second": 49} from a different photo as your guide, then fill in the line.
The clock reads {"hour": 6, "minute": 4, "second": 37}
